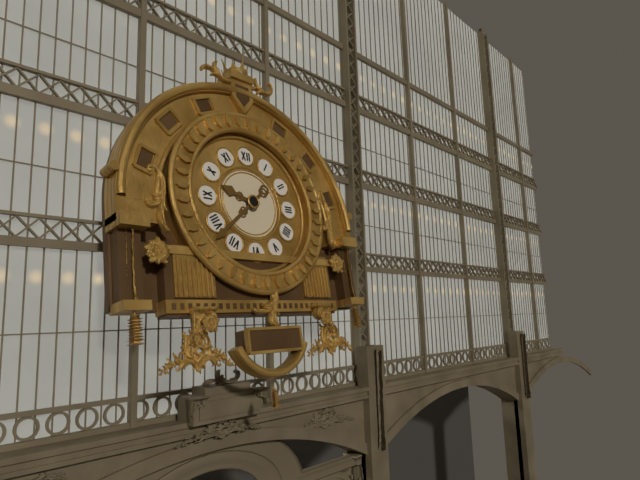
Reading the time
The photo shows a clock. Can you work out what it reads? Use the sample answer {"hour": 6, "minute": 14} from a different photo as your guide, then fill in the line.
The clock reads {"hour": 9, "minute": 38}
